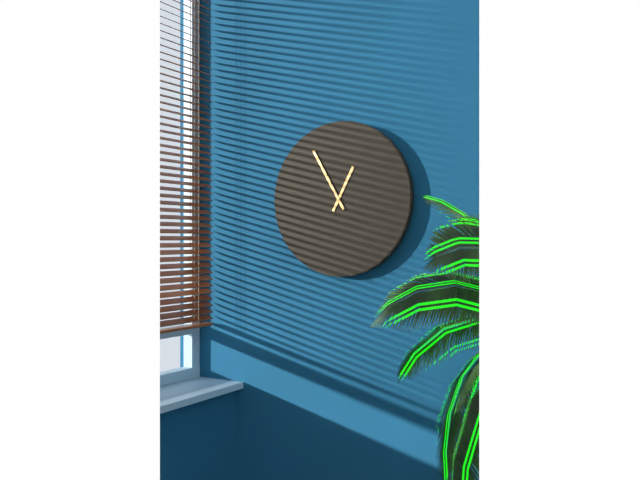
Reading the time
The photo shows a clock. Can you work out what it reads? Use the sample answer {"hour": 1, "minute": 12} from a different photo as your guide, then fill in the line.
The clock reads {"hour": 12, "minute": 55}
